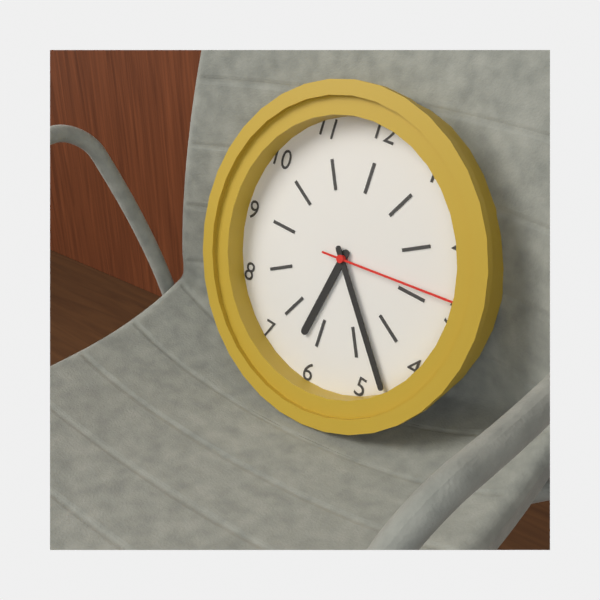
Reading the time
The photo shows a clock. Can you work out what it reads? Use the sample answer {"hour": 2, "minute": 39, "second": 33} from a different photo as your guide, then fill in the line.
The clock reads {"hour": 6, "minute": 23, "second": 14}
